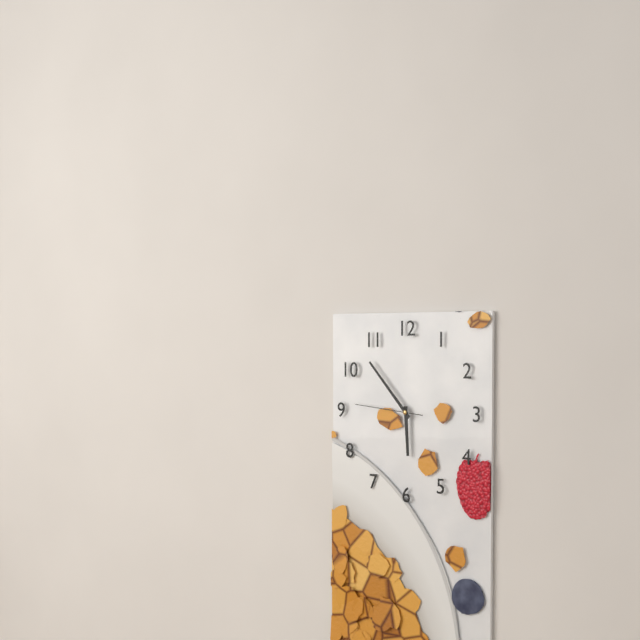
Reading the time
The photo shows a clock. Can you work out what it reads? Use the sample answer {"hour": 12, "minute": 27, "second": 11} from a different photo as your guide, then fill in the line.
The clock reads {"hour": 5, "minute": 53, "second": 46}
